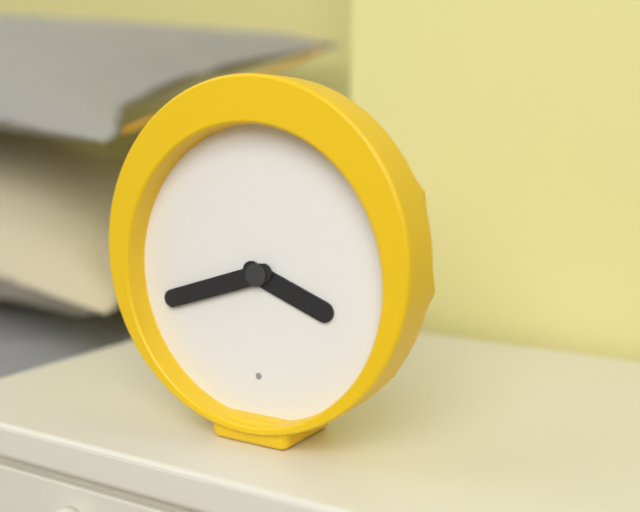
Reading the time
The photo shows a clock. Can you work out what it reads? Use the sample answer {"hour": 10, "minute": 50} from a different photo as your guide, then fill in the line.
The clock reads {"hour": 3, "minute": 42}
